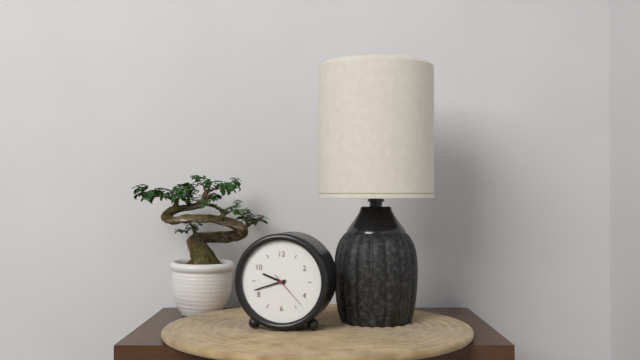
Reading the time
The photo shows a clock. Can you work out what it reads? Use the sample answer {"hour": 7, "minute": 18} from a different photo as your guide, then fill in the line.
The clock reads {"hour": 9, "minute": 42}
